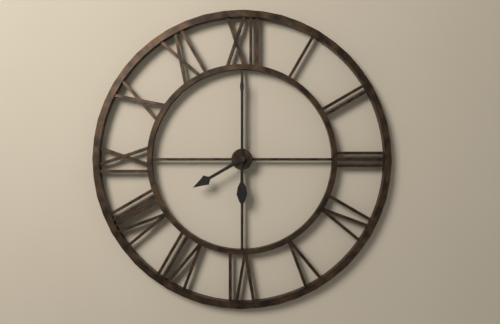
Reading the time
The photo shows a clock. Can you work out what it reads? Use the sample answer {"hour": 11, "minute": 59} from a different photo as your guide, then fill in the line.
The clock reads {"hour": 8, "minute": 0}
